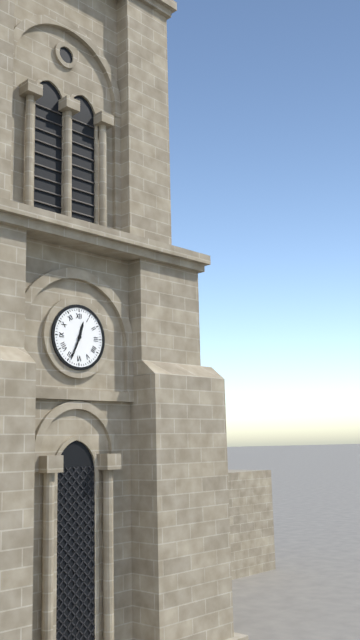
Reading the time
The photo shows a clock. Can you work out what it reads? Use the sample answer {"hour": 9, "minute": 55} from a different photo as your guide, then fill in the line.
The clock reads {"hour": 12, "minute": 34}
